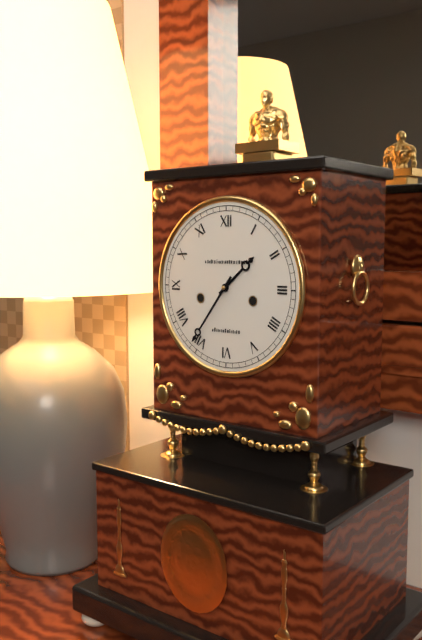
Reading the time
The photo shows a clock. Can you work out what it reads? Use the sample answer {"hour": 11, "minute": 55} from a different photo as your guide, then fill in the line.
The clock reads {"hour": 1, "minute": 36}
